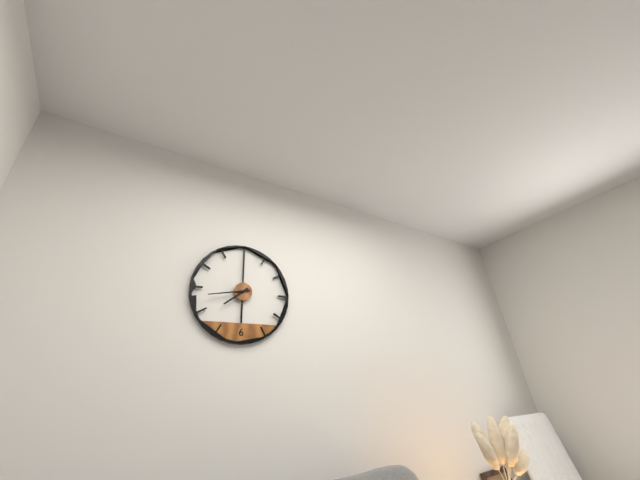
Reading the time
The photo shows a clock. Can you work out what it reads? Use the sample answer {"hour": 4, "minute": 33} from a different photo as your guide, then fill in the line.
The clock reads {"hour": 7, "minute": 43}
